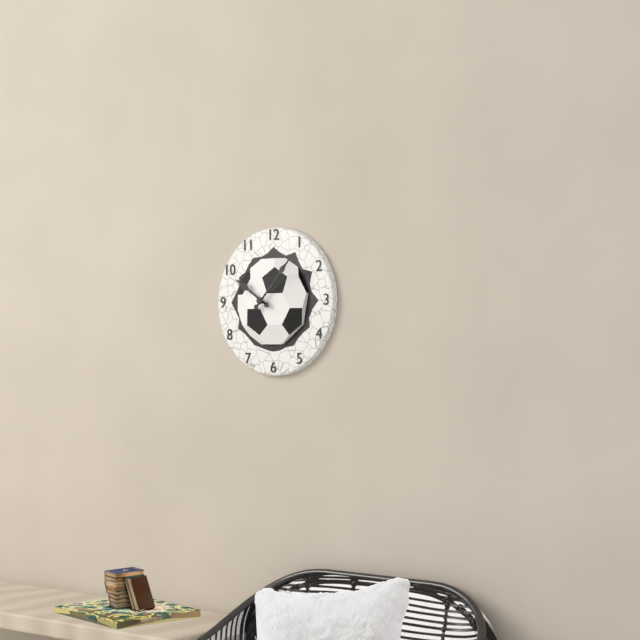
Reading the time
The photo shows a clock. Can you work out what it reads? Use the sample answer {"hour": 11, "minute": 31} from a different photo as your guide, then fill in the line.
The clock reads {"hour": 10, "minute": 7}
